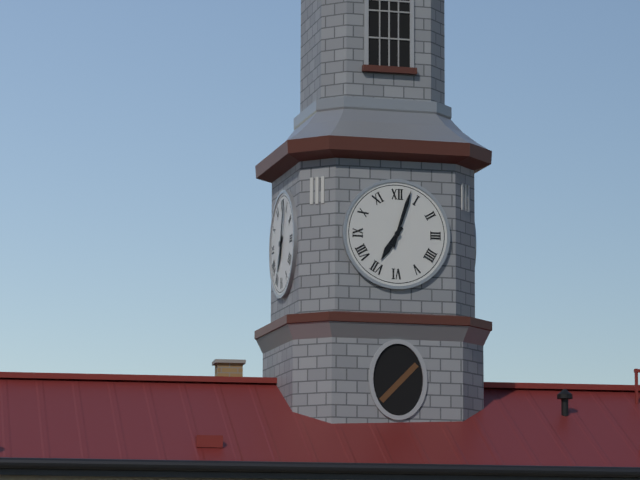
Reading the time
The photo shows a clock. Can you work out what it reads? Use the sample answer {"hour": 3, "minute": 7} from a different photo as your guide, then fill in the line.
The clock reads {"hour": 7, "minute": 3}
